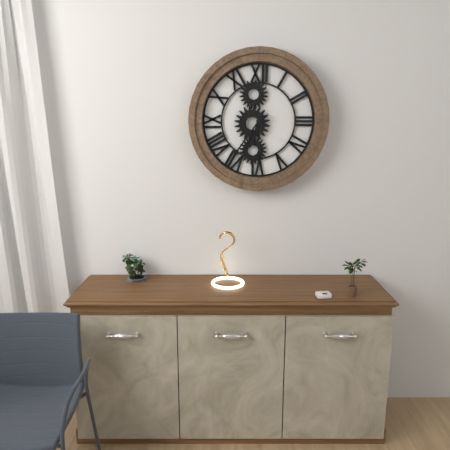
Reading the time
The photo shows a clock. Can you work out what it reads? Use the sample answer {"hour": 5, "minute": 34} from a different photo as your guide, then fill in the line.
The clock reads {"hour": 6, "minute": 36}
